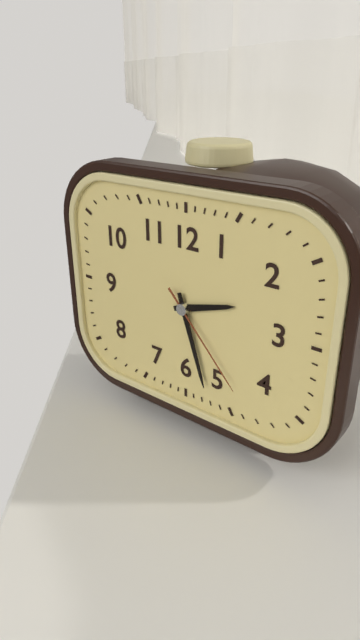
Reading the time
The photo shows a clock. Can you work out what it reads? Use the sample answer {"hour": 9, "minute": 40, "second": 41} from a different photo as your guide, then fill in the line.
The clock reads {"hour": 2, "minute": 27, "second": 23}
